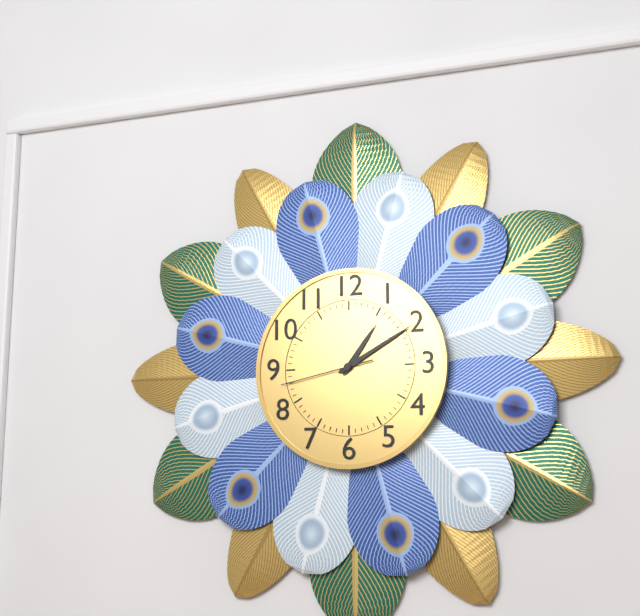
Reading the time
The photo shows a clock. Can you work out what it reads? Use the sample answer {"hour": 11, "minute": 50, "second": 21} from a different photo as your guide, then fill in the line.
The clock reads {"hour": 1, "minute": 10, "second": 43}
